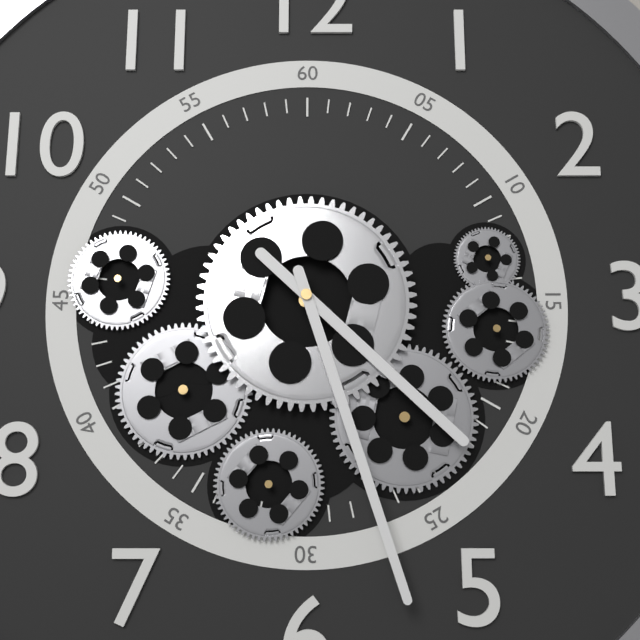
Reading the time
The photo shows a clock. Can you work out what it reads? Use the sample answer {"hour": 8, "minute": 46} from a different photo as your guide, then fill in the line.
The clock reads {"hour": 4, "minute": 27}
